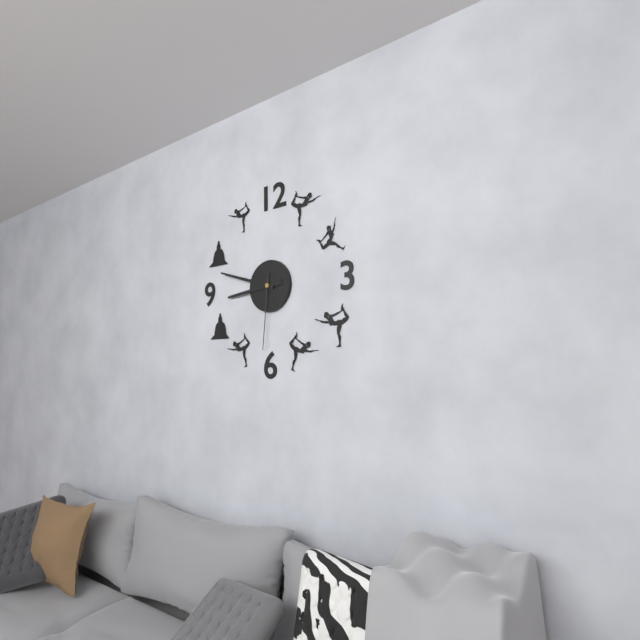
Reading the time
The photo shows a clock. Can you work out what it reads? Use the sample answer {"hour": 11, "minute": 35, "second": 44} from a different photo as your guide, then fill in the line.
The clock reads {"hour": 8, "minute": 48, "second": 31}
